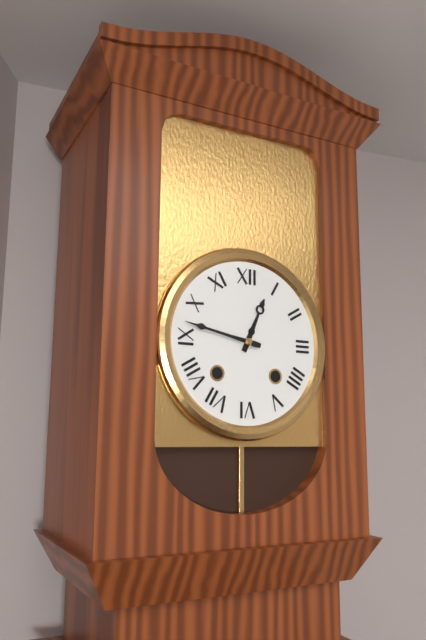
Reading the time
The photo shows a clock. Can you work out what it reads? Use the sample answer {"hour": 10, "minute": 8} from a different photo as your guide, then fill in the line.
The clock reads {"hour": 12, "minute": 47}
